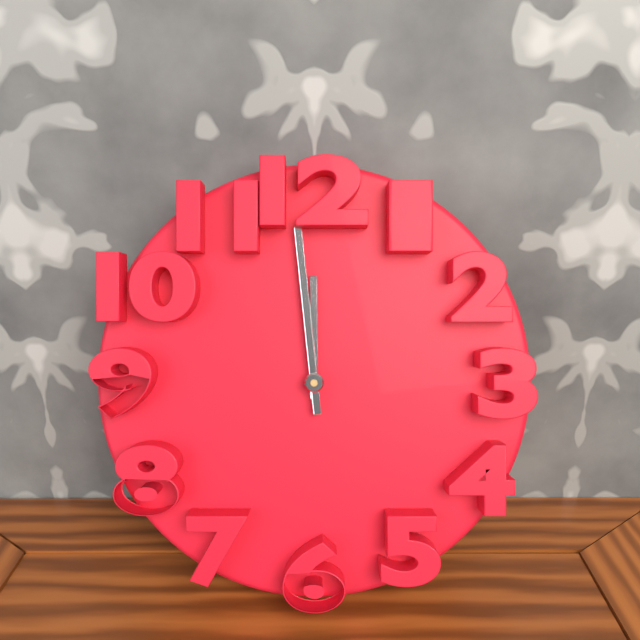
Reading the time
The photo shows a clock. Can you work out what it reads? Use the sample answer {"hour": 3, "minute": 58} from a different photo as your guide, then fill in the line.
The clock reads {"hour": 11, "minute": 59}
